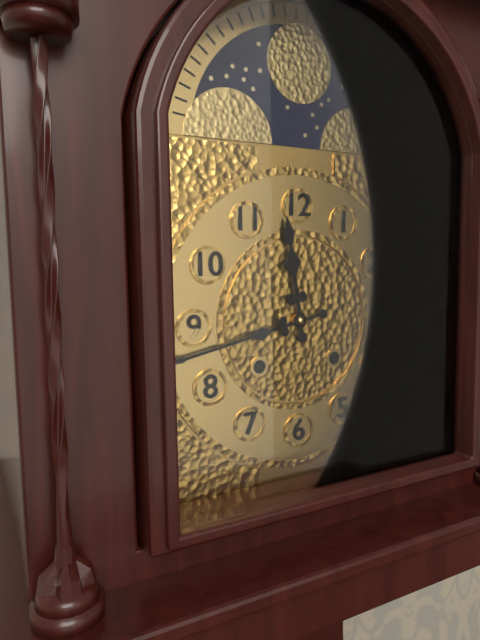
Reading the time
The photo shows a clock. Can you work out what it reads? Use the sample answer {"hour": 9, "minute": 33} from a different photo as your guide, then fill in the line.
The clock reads {"hour": 11, "minute": 43}
